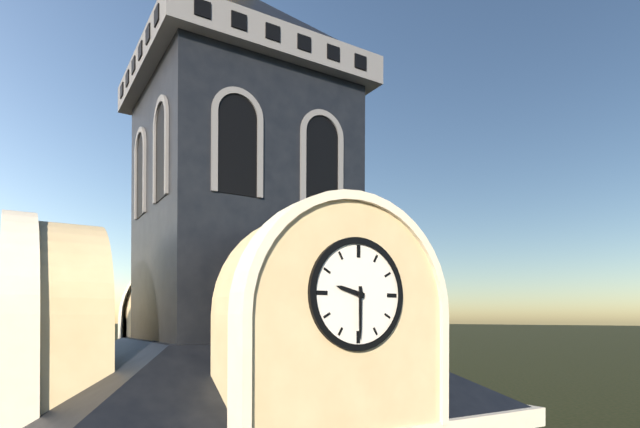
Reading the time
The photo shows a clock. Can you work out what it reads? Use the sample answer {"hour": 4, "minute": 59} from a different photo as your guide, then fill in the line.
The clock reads {"hour": 9, "minute": 30}
